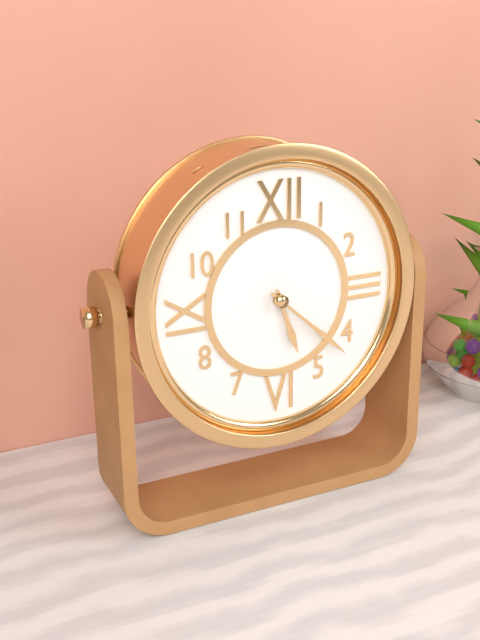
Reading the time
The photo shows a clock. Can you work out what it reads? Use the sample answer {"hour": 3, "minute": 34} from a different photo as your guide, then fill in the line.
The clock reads {"hour": 5, "minute": 22}
